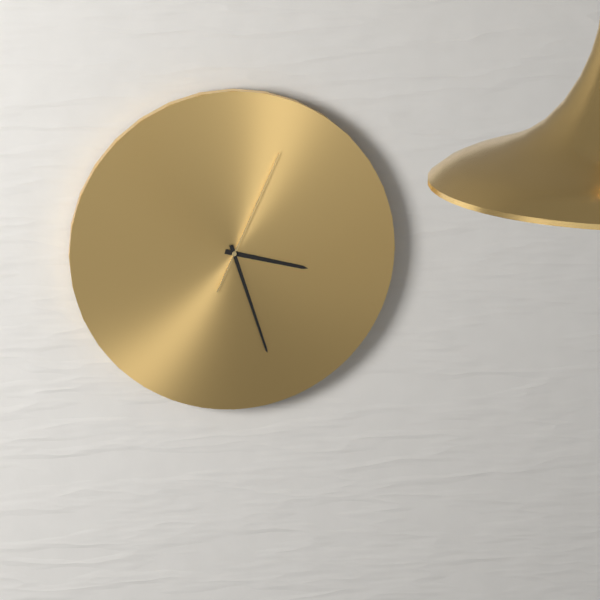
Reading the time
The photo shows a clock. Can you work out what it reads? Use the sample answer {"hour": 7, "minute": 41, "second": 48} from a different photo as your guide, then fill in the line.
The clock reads {"hour": 3, "minute": 27, "second": 4}
